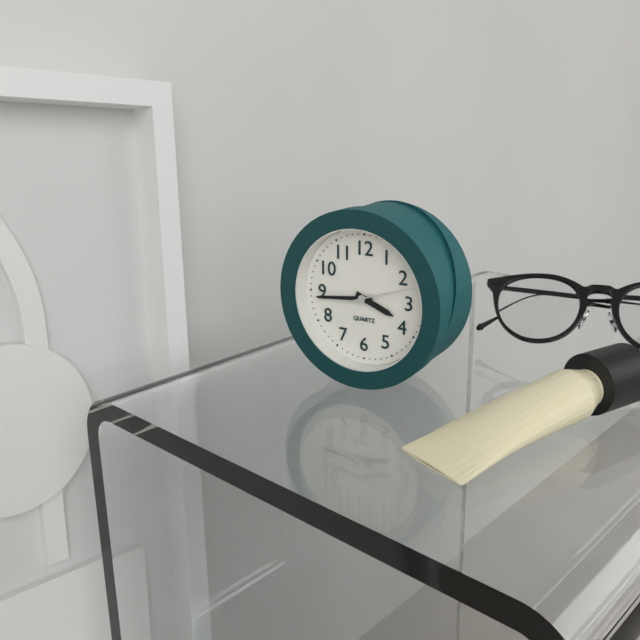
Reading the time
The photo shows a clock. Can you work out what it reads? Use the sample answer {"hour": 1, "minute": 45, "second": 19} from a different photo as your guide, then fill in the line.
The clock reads {"hour": 3, "minute": 44, "second": 12}
